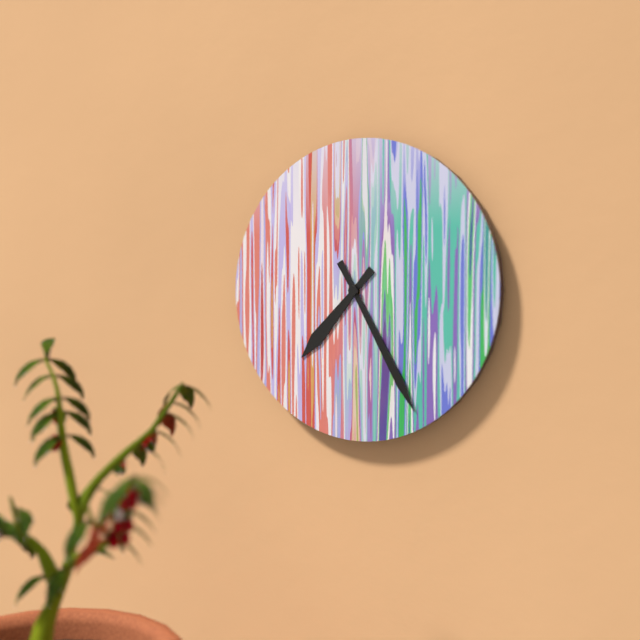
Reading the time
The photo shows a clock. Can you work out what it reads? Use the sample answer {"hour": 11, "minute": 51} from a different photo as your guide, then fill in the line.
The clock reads {"hour": 7, "minute": 25}
